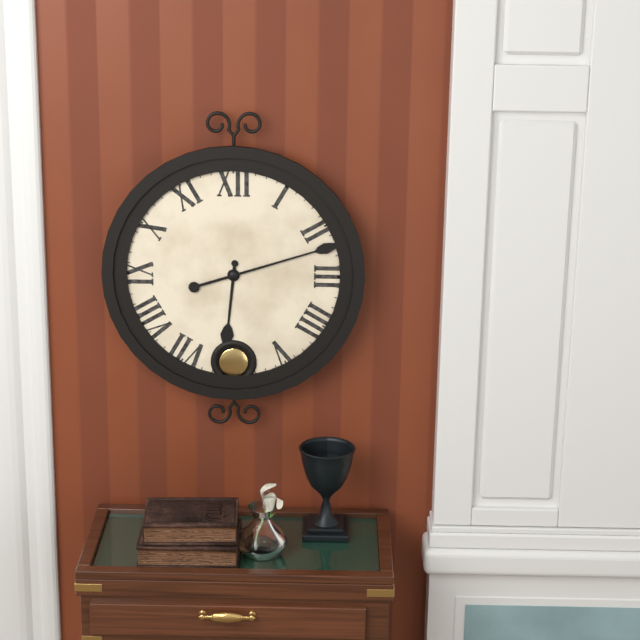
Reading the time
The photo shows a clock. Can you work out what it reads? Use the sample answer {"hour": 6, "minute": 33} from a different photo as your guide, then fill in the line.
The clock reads {"hour": 6, "minute": 12}
